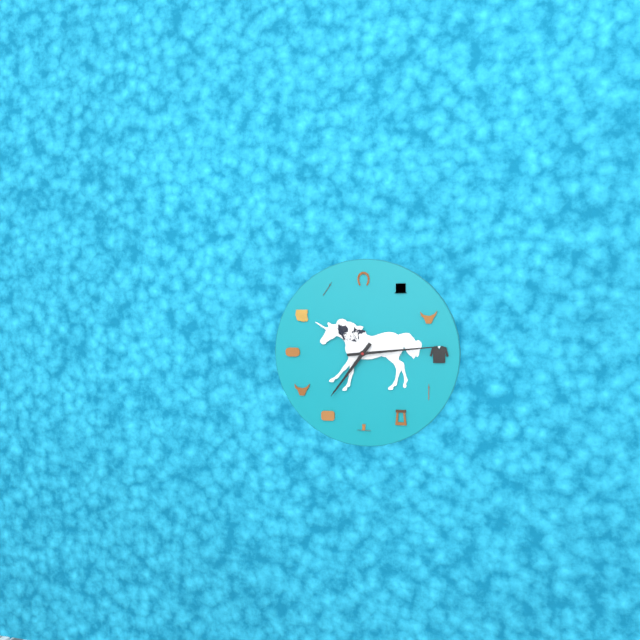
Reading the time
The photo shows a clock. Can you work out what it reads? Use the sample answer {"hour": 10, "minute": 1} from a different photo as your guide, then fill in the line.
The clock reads {"hour": 7, "minute": 14}
